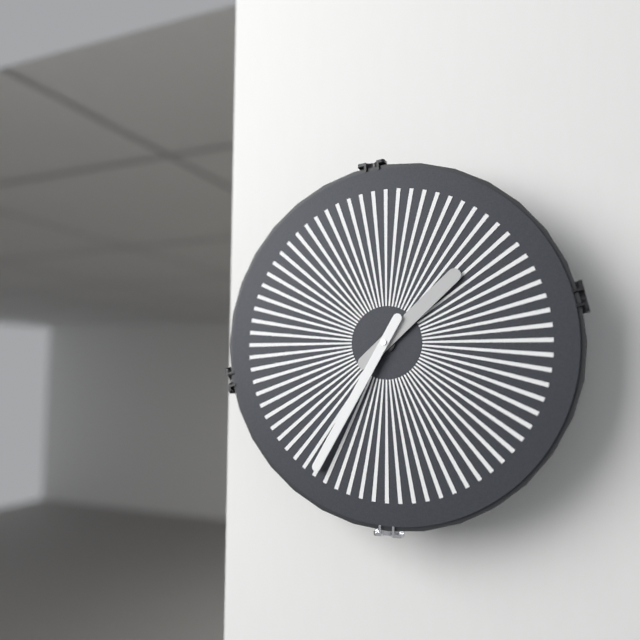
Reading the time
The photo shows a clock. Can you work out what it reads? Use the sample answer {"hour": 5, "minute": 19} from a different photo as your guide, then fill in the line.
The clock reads {"hour": 1, "minute": 35}
